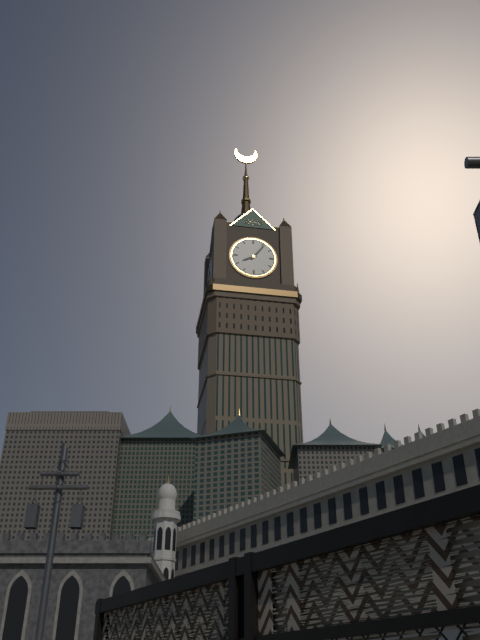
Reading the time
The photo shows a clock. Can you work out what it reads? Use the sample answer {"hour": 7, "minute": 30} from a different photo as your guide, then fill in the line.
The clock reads {"hour": 8, "minute": 6}
